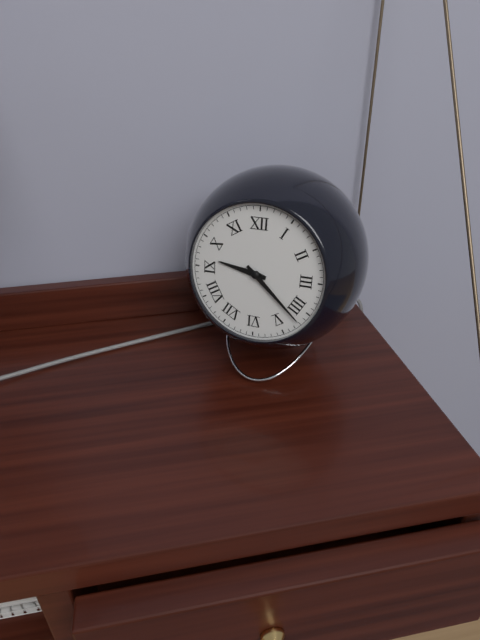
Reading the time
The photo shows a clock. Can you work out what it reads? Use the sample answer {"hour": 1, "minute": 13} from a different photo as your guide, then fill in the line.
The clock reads {"hour": 9, "minute": 22}
